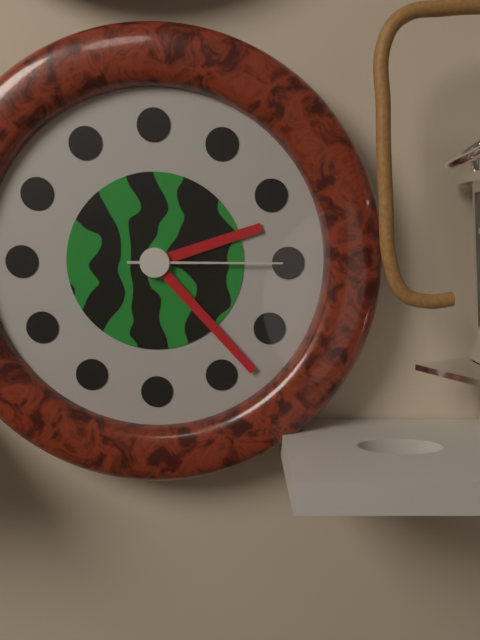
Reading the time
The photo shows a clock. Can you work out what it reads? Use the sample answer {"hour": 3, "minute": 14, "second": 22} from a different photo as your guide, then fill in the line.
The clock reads {"hour": 2, "minute": 23, "second": 15}
